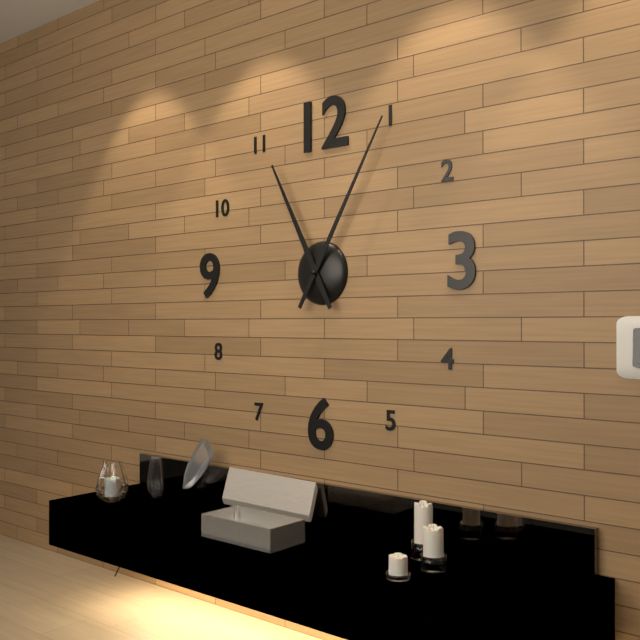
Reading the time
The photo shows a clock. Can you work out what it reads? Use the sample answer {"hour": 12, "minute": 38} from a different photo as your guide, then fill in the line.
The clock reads {"hour": 11, "minute": 5}
